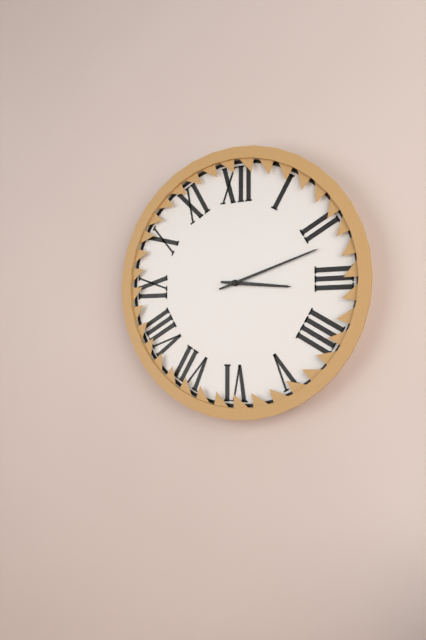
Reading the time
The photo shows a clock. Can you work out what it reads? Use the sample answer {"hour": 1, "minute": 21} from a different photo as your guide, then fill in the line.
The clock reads {"hour": 3, "minute": 12}
